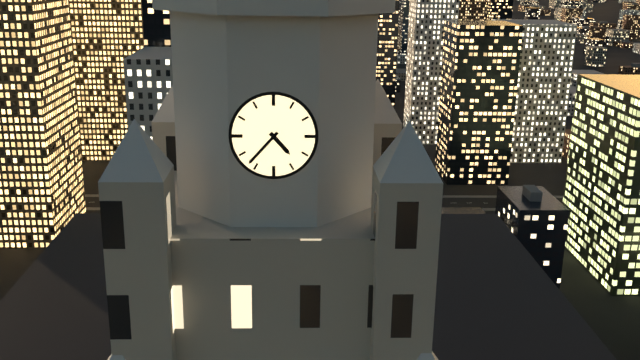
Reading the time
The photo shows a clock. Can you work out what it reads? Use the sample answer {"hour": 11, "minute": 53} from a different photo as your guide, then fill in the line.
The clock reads {"hour": 4, "minute": 37}
